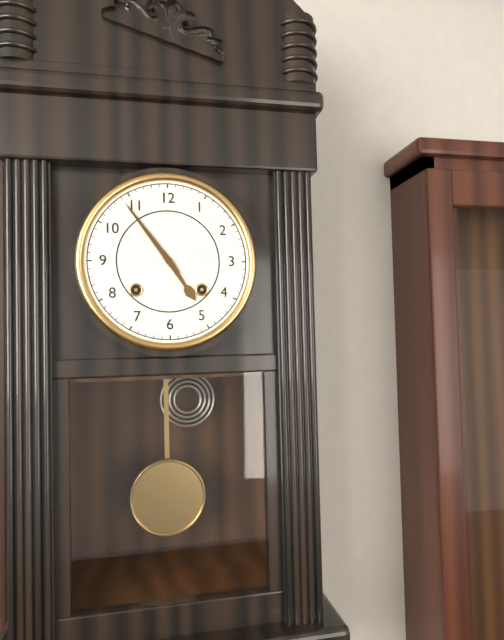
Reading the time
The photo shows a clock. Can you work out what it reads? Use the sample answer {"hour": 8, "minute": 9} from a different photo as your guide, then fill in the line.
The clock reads {"hour": 4, "minute": 54}
